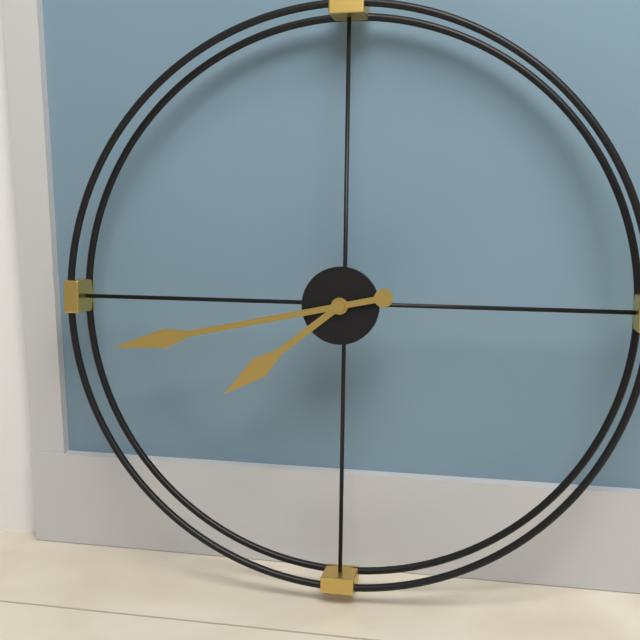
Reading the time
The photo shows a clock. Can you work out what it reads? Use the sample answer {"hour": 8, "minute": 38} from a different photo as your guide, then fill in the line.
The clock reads {"hour": 7, "minute": 43}
